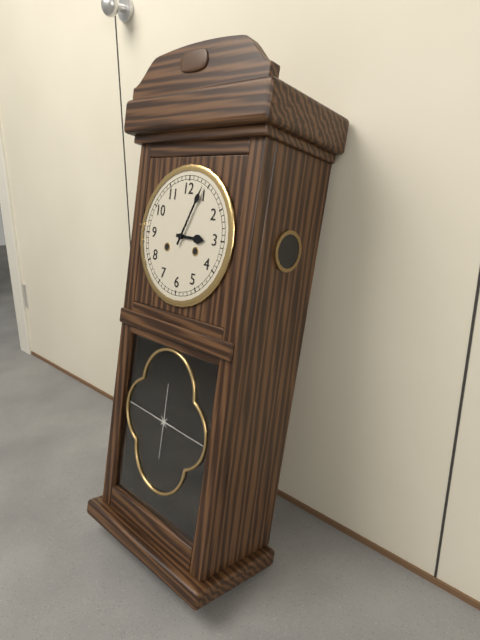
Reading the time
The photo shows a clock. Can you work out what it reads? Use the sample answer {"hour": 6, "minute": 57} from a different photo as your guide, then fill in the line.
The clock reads {"hour": 3, "minute": 4}
